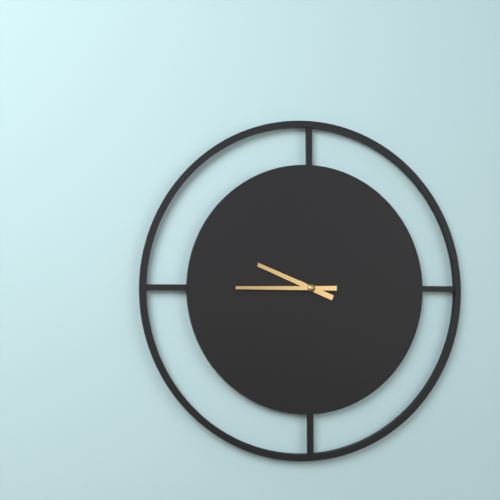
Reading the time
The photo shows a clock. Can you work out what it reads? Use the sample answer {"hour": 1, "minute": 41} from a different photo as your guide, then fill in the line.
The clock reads {"hour": 9, "minute": 45}
